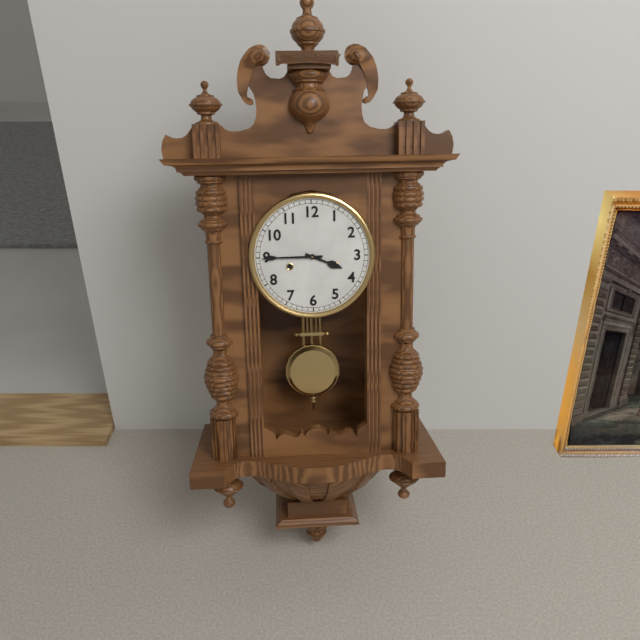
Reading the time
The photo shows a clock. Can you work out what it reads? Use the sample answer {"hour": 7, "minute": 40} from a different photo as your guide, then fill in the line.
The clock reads {"hour": 3, "minute": 45}
